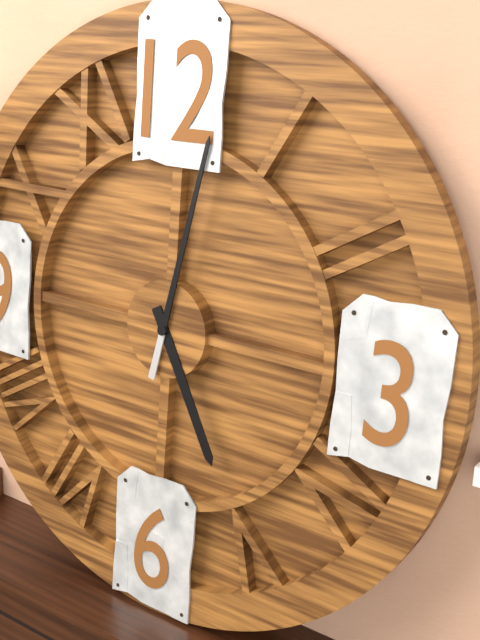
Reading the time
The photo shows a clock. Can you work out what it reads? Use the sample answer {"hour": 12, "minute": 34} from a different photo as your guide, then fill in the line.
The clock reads {"hour": 5, "minute": 2}
